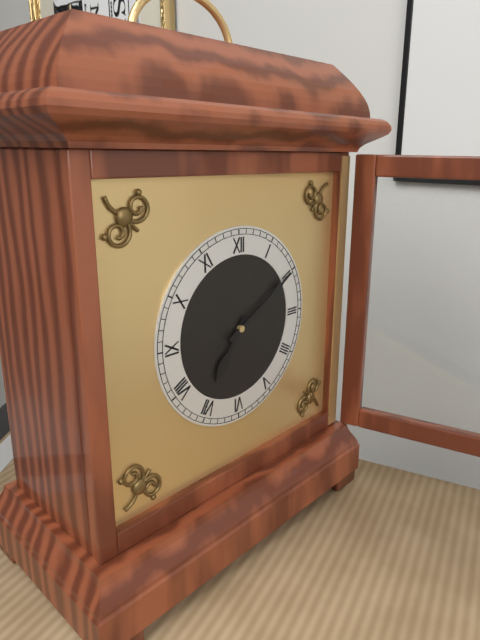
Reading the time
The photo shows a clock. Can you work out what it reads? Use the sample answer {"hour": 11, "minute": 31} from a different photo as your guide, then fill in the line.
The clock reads {"hour": 7, "minute": 10}
